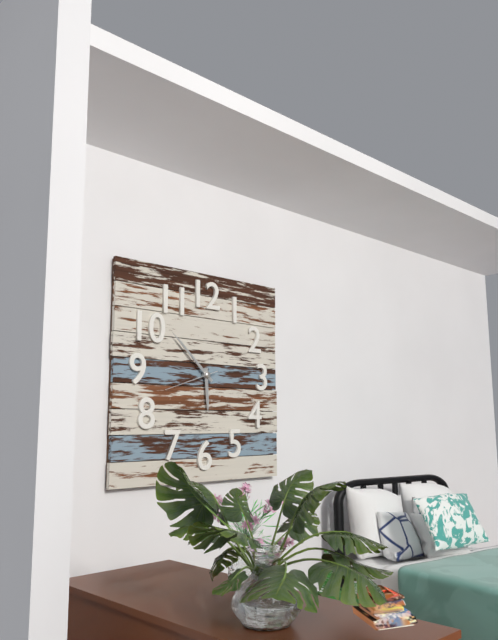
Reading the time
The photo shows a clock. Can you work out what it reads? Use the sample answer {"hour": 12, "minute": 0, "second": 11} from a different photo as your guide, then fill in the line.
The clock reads {"hour": 5, "minute": 52, "second": 42}
